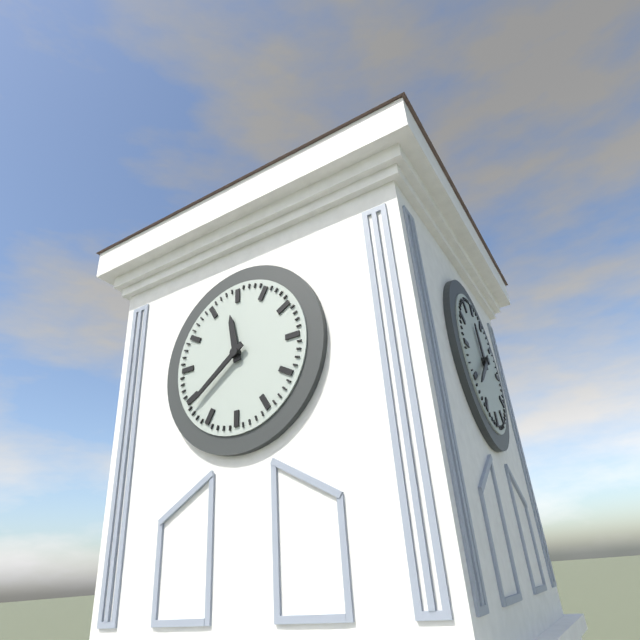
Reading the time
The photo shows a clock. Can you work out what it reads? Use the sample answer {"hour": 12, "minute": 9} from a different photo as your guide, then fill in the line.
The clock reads {"hour": 11, "minute": 39}
